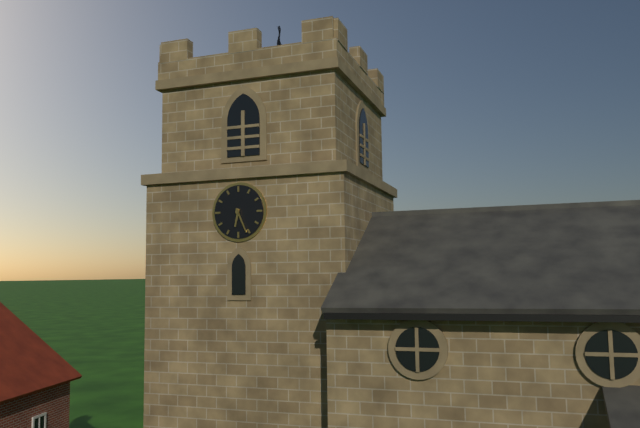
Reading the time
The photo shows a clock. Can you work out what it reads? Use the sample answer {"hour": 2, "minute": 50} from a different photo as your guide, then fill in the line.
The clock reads {"hour": 6, "minute": 26}
